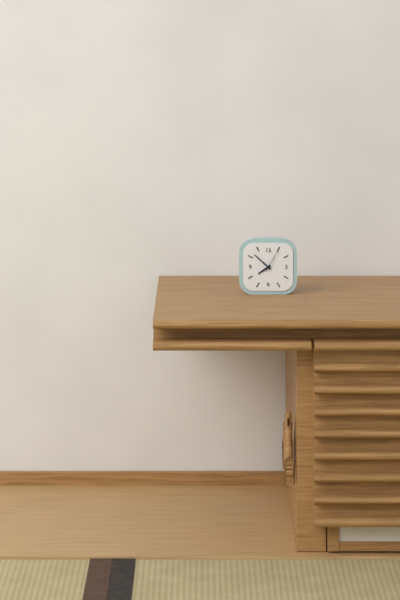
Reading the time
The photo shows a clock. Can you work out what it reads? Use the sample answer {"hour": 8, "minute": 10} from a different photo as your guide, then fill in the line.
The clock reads {"hour": 7, "minute": 52}
